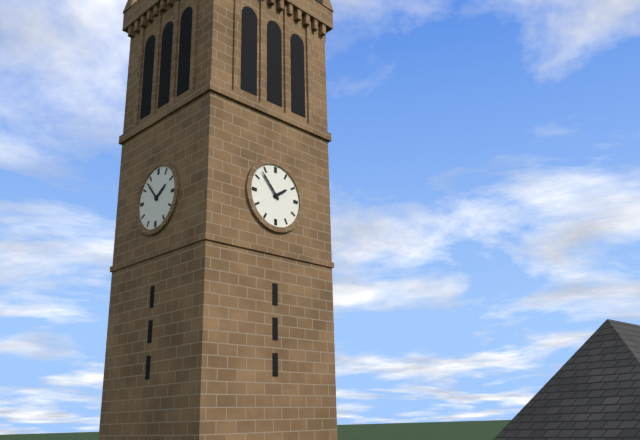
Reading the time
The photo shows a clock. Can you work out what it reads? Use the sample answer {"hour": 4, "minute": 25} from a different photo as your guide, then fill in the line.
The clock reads {"hour": 1, "minute": 53}
